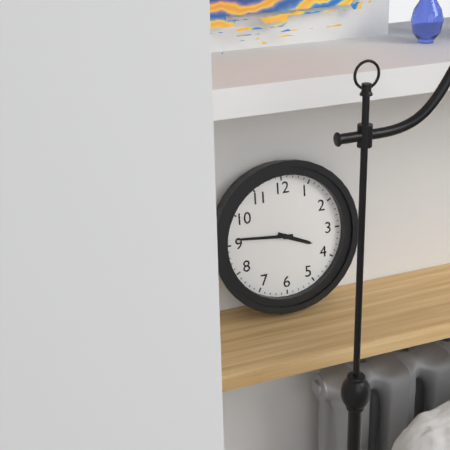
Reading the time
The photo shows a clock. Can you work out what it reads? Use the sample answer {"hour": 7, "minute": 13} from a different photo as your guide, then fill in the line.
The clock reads {"hour": 3, "minute": 46}
